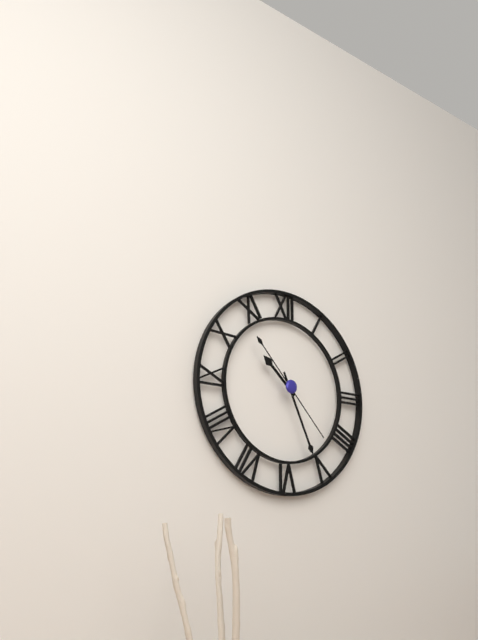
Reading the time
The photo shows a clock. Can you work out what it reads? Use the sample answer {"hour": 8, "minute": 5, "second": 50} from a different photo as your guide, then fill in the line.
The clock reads {"hour": 10, "minute": 26, "second": 23}
